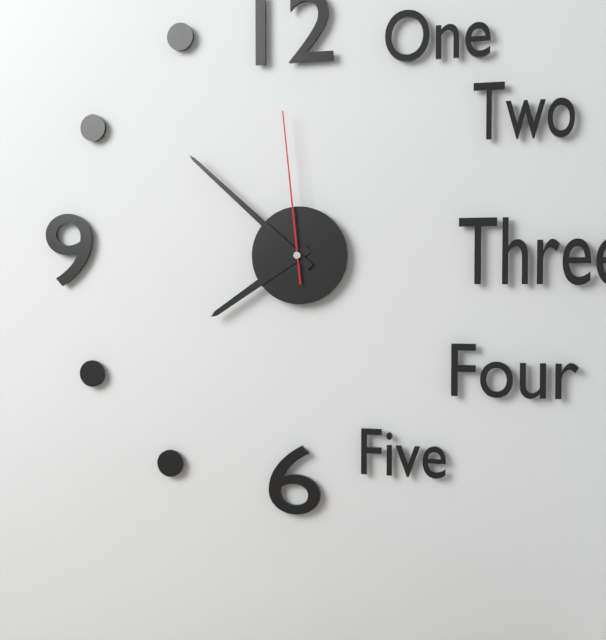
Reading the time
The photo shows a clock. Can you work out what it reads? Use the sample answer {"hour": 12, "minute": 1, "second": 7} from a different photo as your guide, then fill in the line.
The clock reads {"hour": 7, "minute": 52, "second": 59}
